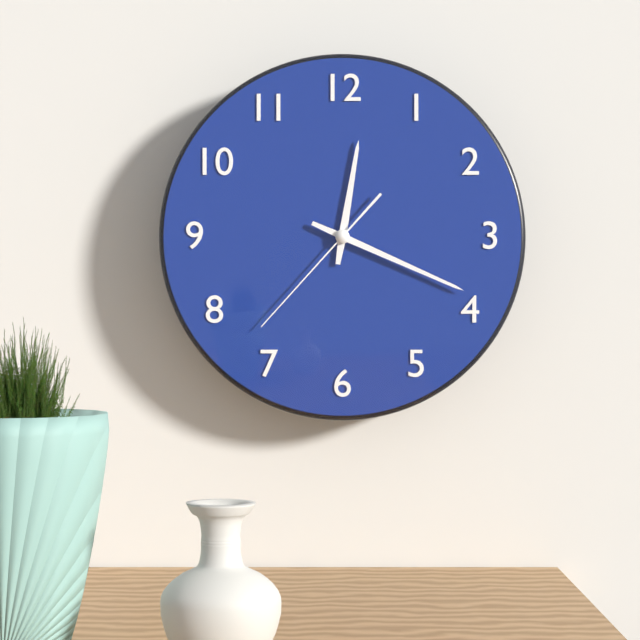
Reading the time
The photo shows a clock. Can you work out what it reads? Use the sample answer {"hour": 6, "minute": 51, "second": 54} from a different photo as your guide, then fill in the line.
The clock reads {"hour": 12, "minute": 19, "second": 37}
